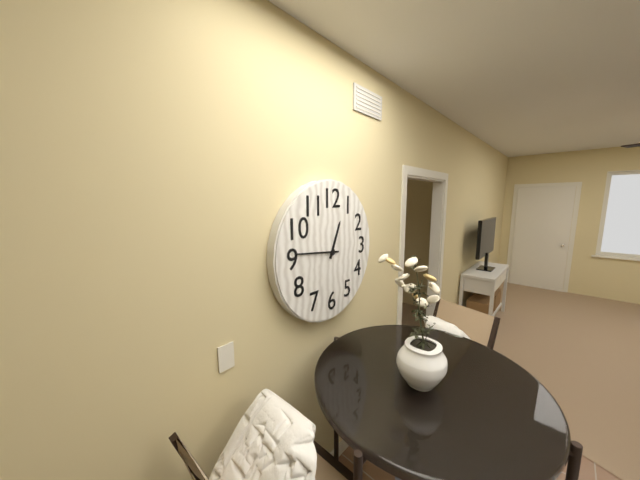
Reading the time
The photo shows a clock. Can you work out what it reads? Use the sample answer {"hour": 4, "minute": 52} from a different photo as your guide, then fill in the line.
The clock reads {"hour": 12, "minute": 46}
